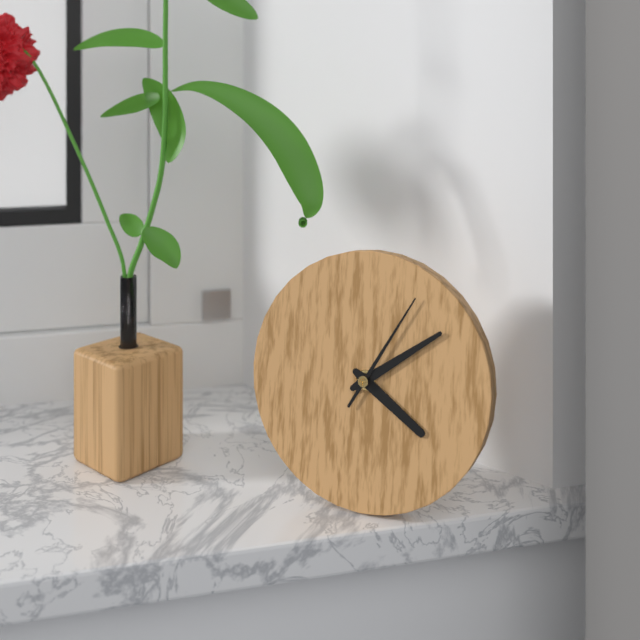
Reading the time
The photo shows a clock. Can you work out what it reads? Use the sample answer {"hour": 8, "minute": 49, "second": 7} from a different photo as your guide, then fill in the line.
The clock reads {"hour": 4, "minute": 9, "second": 5}
